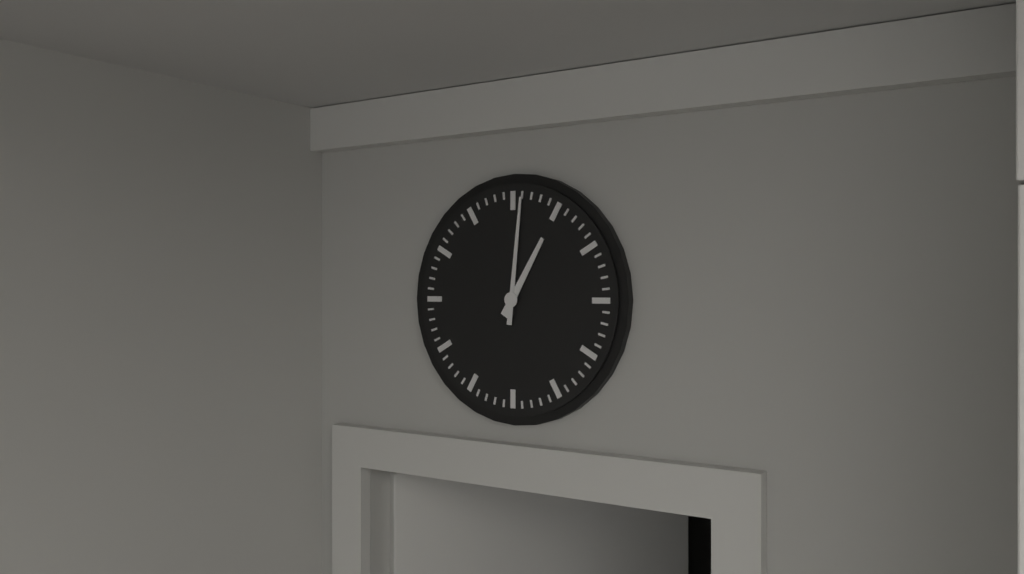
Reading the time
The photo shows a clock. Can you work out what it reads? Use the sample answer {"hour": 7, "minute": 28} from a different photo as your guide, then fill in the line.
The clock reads {"hour": 1, "minute": 1}
